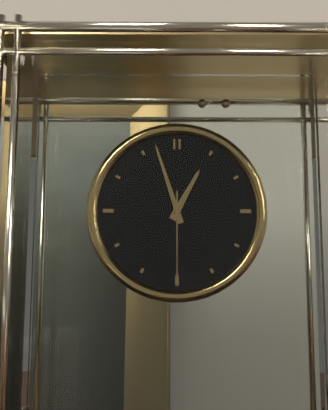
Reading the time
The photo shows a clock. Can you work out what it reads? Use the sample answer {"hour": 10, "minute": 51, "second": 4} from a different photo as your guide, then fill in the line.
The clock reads {"hour": 12, "minute": 57, "second": 30}
